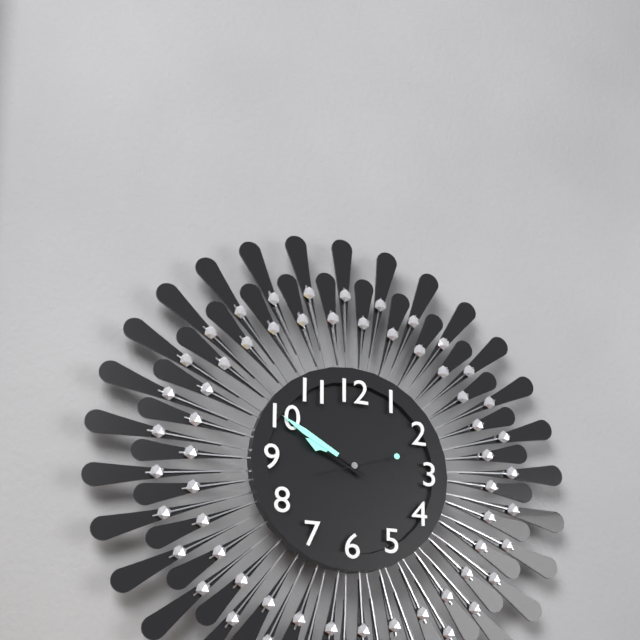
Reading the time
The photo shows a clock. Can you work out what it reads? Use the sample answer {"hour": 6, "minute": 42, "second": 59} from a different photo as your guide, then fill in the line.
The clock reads {"hour": 9, "minute": 50, "second": 12}
